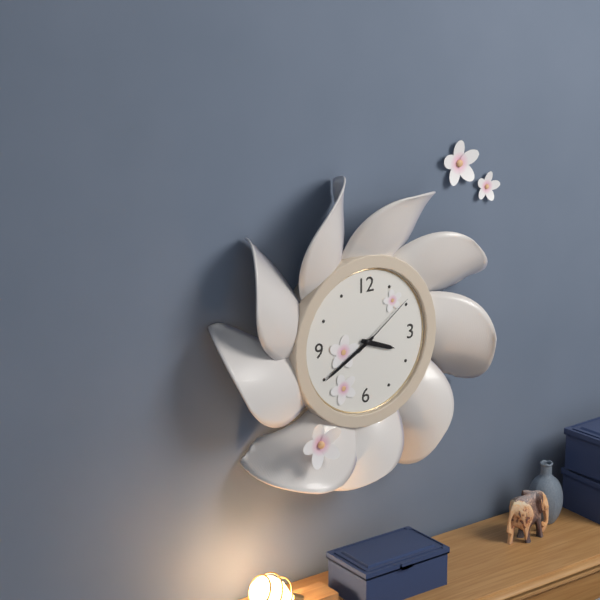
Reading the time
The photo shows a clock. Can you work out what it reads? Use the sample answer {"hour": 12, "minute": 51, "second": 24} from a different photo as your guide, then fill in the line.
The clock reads {"hour": 3, "minute": 40, "second": 9}
